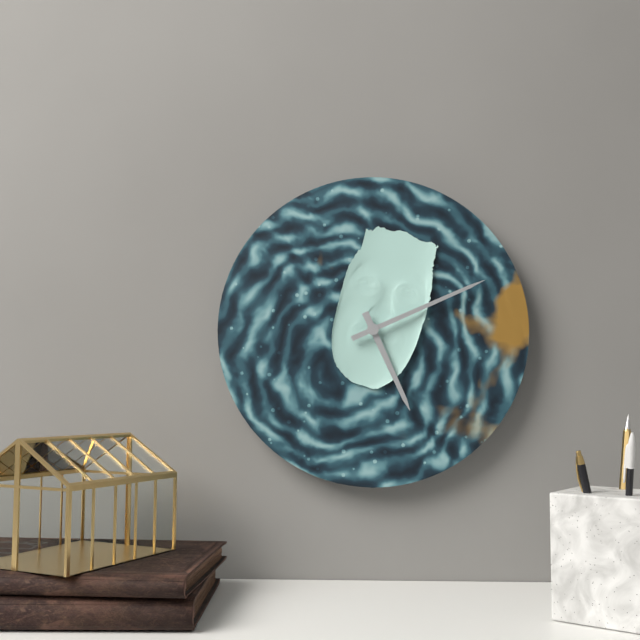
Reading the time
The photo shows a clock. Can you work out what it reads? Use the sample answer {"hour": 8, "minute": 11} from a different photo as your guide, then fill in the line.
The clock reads {"hour": 5, "minute": 11}
